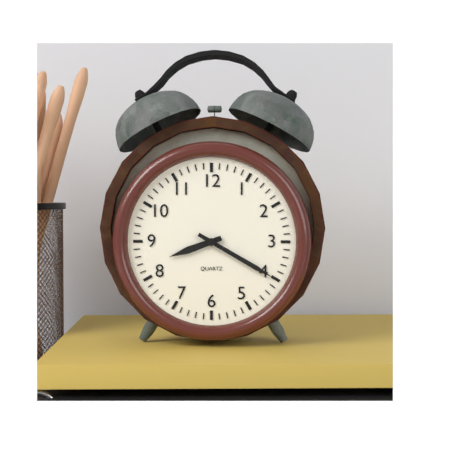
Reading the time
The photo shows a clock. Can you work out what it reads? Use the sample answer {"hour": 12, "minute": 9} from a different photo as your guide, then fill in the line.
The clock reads {"hour": 8, "minute": 20}
